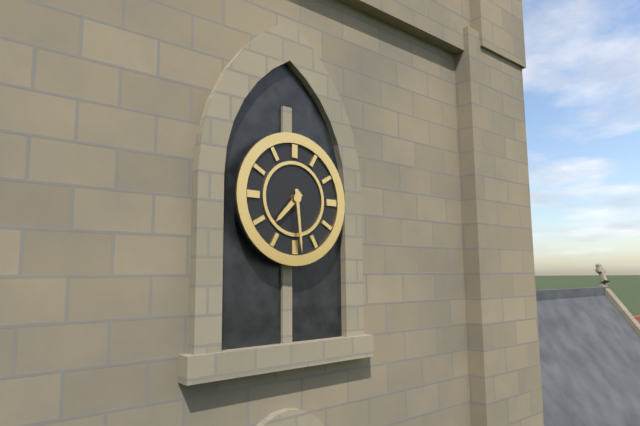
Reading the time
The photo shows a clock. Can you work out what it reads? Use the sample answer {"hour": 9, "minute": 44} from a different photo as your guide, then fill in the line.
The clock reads {"hour": 7, "minute": 29}
